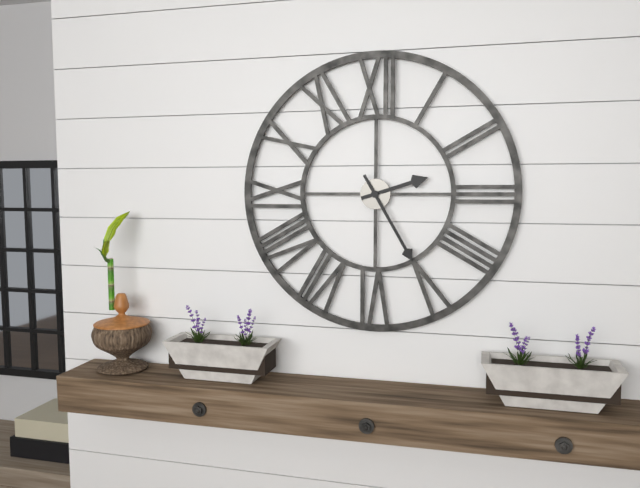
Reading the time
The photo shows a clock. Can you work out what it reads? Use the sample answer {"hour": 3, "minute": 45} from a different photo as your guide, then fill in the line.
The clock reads {"hour": 2, "minute": 25}
